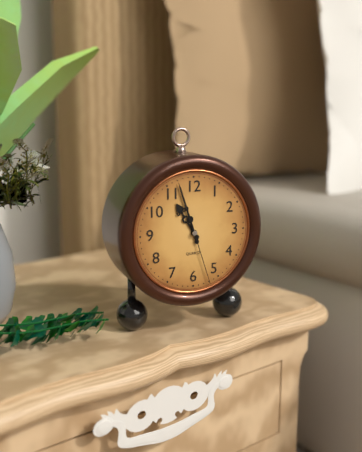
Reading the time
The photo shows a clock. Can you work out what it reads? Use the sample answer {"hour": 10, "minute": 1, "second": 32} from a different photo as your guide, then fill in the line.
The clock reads {"hour": 10, "minute": 57, "second": 27}
